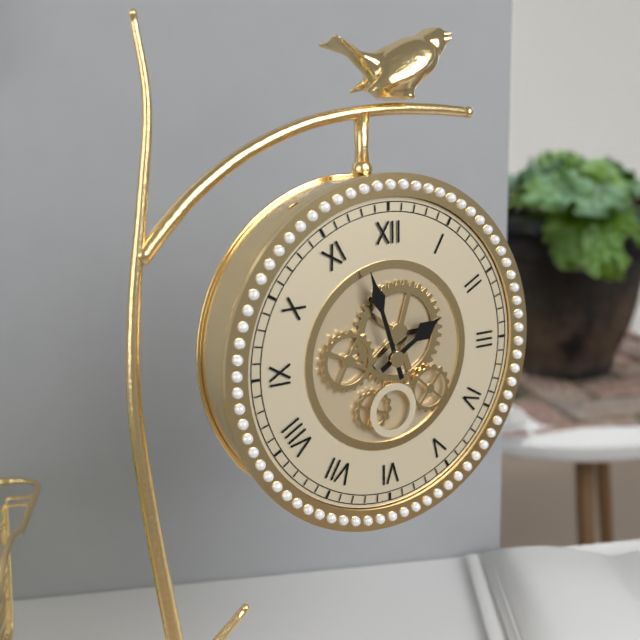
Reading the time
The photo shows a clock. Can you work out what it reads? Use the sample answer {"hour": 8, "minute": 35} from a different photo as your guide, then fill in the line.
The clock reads {"hour": 1, "minute": 57}
